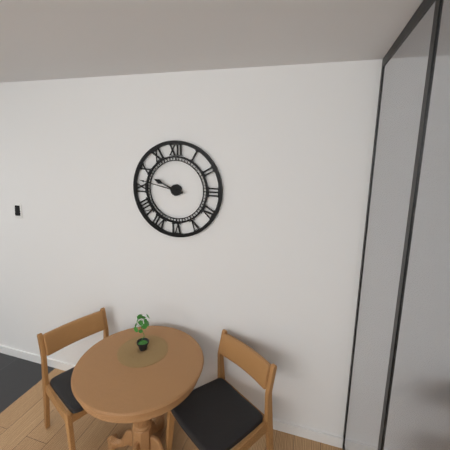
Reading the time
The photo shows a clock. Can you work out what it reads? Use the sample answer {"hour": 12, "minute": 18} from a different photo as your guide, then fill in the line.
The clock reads {"hour": 9, "minute": 47}
